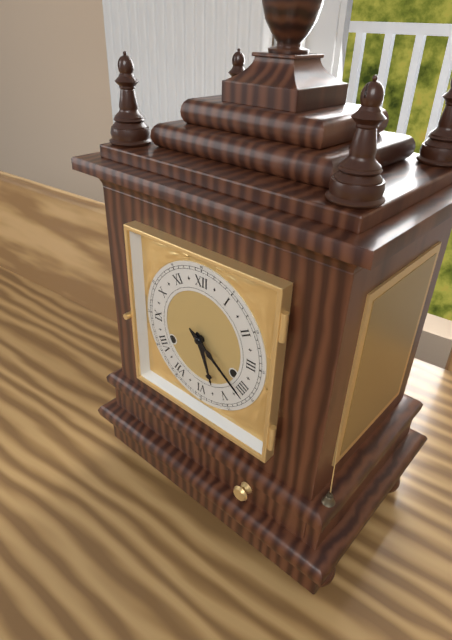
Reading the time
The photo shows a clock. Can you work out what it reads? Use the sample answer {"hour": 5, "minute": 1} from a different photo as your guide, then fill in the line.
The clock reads {"hour": 5, "minute": 21}
